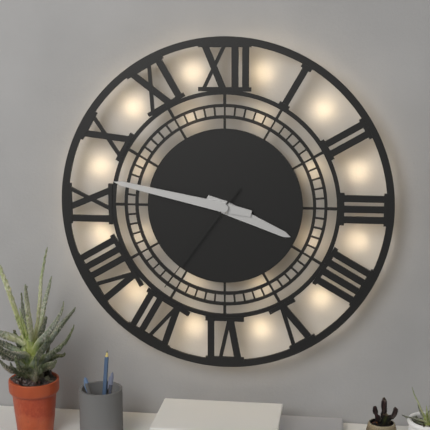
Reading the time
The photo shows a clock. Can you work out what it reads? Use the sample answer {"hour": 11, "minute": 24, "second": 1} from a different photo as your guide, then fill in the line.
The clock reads {"hour": 3, "minute": 47, "second": 36}
